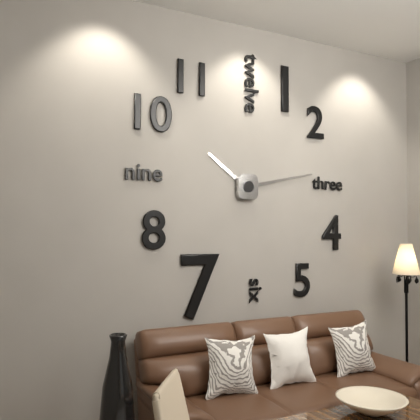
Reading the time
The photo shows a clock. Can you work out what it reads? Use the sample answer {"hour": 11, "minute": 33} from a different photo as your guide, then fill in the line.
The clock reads {"hour": 10, "minute": 13}
